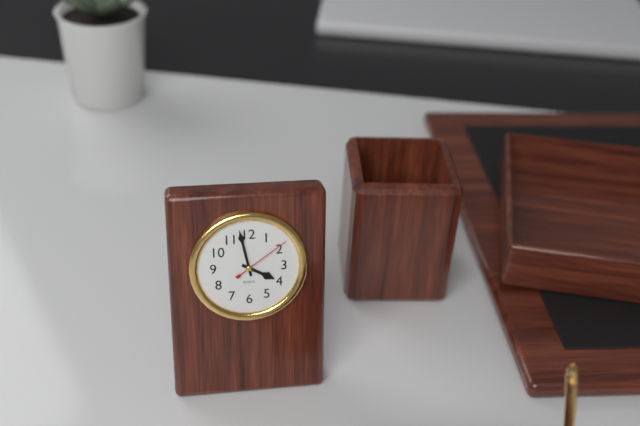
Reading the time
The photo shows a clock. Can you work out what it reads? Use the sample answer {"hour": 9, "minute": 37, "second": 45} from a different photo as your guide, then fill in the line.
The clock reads {"hour": 3, "minute": 58, "second": 9}
